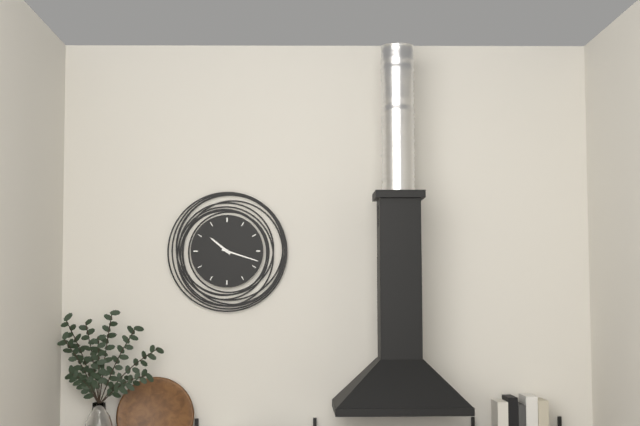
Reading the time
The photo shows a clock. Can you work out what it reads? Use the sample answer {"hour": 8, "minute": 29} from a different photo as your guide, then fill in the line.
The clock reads {"hour": 10, "minute": 18}
